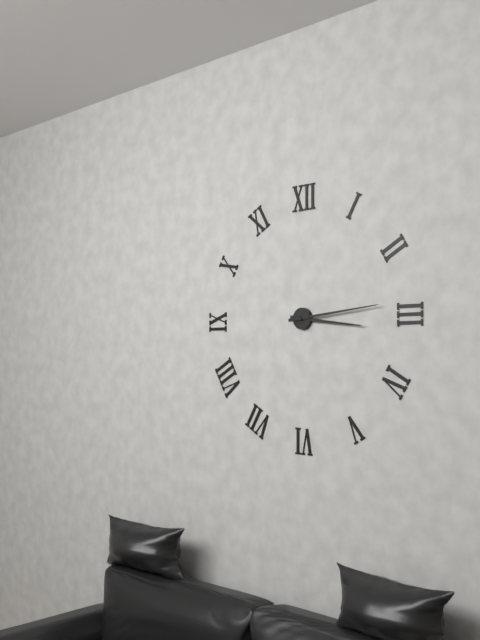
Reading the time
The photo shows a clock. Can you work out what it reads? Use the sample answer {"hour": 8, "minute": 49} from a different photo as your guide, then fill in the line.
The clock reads {"hour": 3, "minute": 14}
